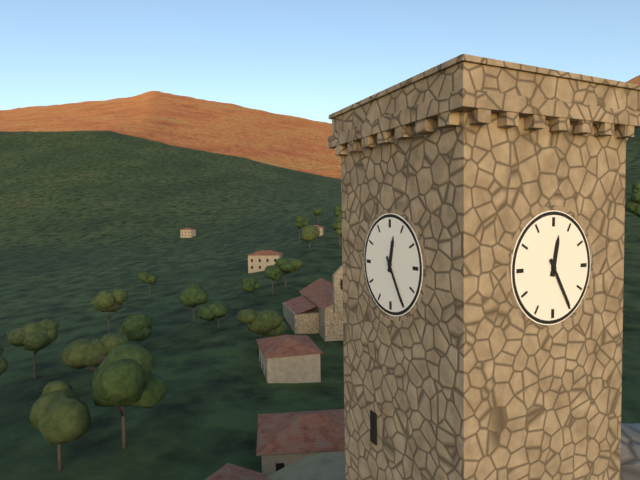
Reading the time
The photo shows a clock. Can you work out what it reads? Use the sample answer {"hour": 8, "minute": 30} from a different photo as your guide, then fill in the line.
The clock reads {"hour": 12, "minute": 25}
